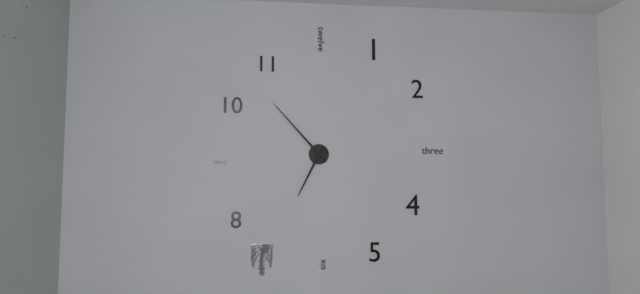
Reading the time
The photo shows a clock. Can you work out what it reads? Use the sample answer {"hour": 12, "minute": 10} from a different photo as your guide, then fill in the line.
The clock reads {"hour": 6, "minute": 53}
